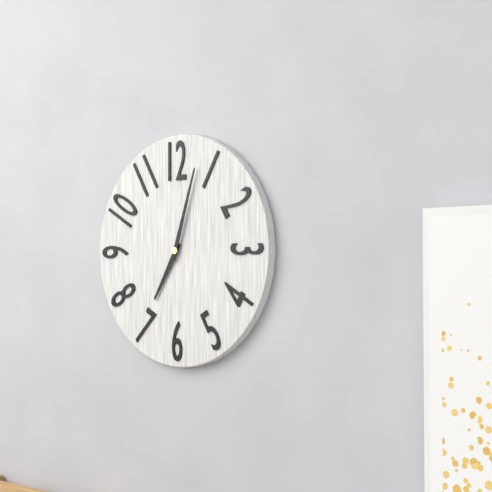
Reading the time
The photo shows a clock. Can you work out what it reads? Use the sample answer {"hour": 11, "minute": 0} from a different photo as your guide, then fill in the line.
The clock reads {"hour": 7, "minute": 3}
